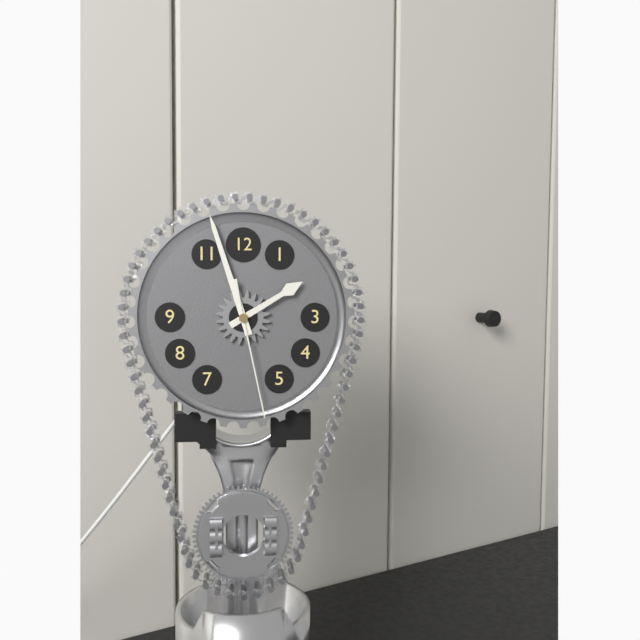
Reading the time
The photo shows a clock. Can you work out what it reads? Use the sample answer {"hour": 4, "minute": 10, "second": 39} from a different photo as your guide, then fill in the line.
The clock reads {"hour": 1, "minute": 57, "second": 28}
